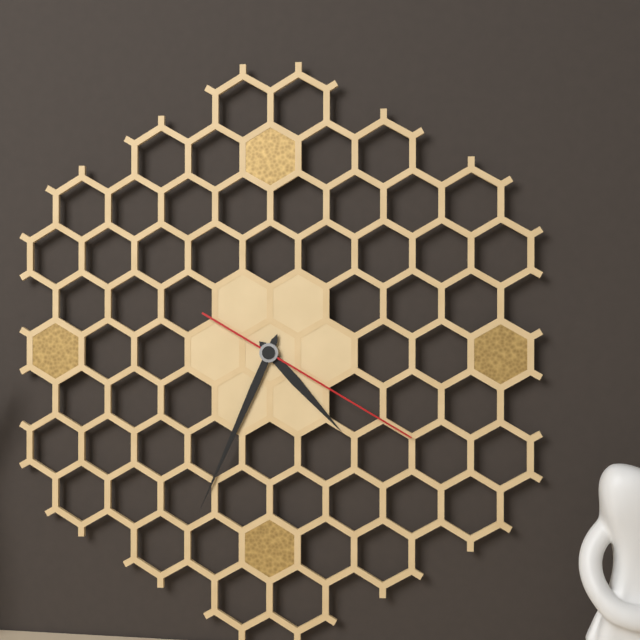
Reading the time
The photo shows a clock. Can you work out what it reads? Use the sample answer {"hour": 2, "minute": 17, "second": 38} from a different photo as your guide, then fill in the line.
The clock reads {"hour": 4, "minute": 34, "second": 20}
